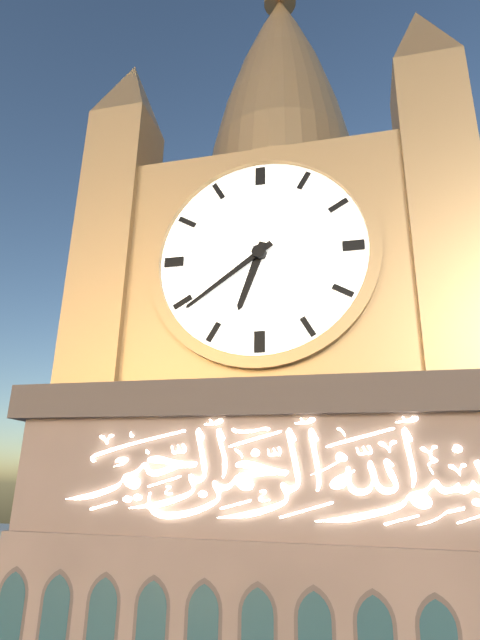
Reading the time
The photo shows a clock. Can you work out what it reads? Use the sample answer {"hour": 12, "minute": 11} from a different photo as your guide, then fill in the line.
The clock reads {"hour": 6, "minute": 39}
